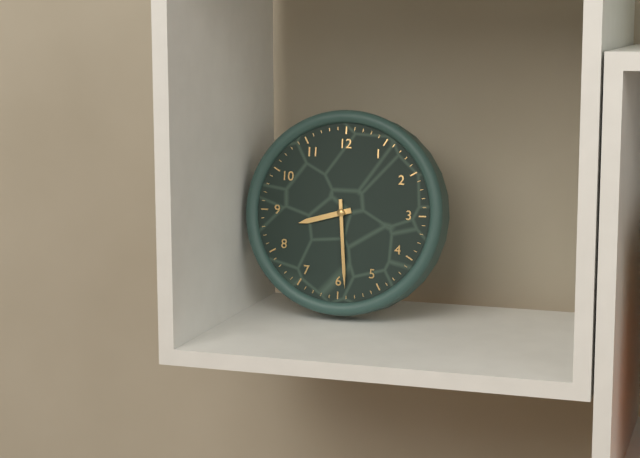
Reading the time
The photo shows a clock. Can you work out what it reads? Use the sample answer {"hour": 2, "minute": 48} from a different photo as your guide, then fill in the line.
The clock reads {"hour": 8, "minute": 29}
